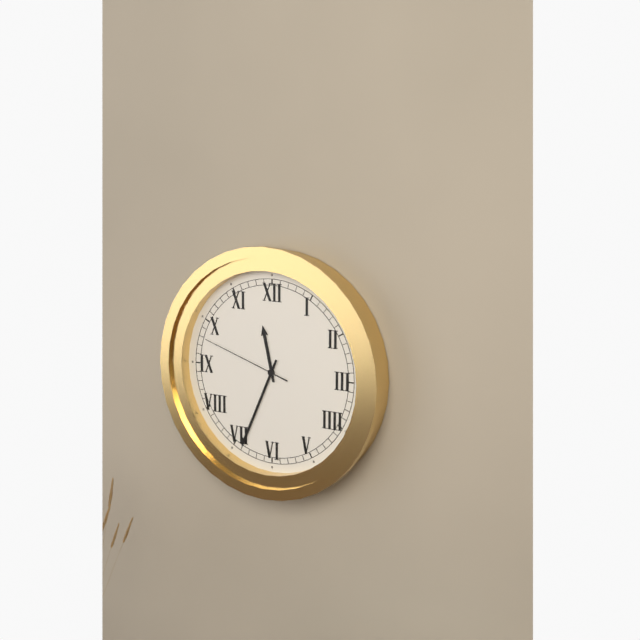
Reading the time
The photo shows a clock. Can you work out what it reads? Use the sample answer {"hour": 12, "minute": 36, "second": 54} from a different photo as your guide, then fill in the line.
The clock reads {"hour": 11, "minute": 34, "second": 48}
